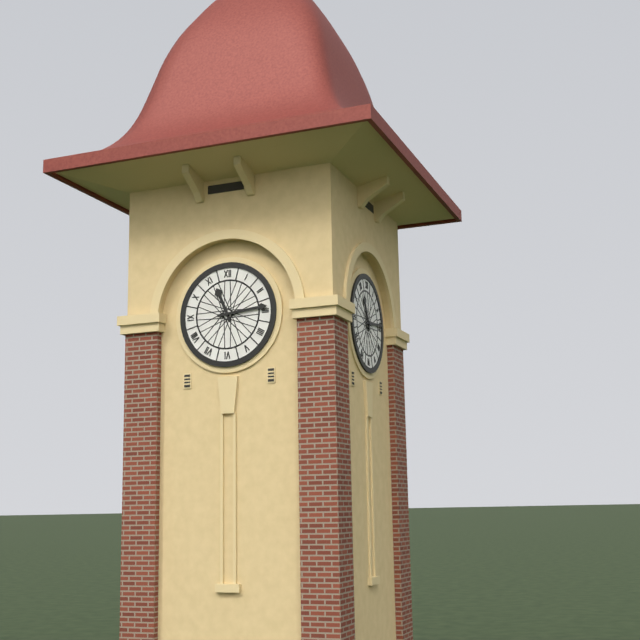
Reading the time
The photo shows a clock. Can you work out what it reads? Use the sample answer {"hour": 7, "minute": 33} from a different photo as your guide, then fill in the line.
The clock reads {"hour": 11, "minute": 14}
